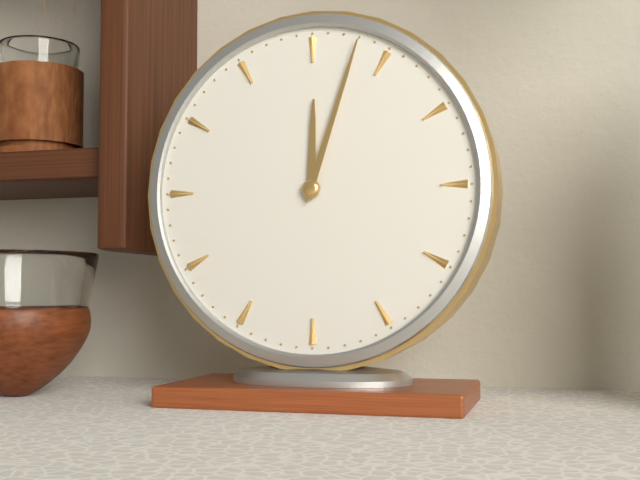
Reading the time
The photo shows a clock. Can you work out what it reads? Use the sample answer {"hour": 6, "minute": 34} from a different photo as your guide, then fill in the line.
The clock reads {"hour": 12, "minute": 3}
